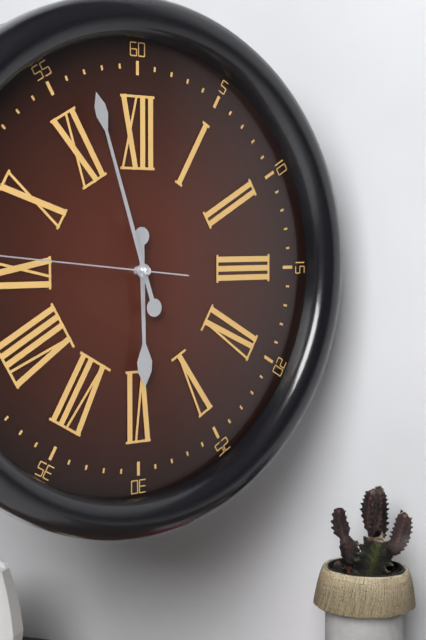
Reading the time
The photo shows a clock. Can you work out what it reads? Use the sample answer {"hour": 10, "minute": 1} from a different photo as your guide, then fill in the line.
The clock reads {"hour": 5, "minute": 57}
